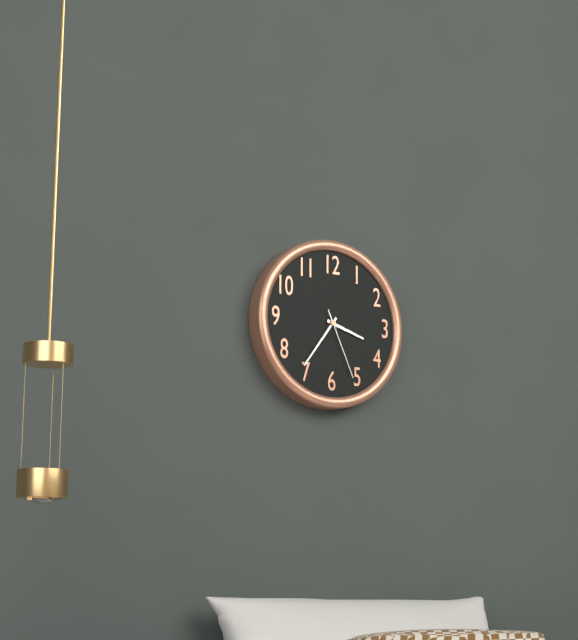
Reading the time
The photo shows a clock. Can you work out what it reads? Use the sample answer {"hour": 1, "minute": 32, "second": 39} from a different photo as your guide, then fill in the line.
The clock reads {"hour": 3, "minute": 36, "second": 26}
